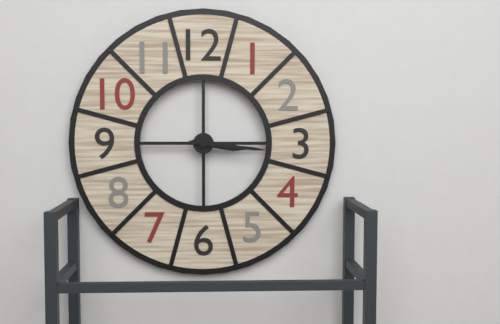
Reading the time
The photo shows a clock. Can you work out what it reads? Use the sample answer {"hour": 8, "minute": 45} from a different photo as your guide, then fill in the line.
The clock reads {"hour": 3, "minute": 16}
